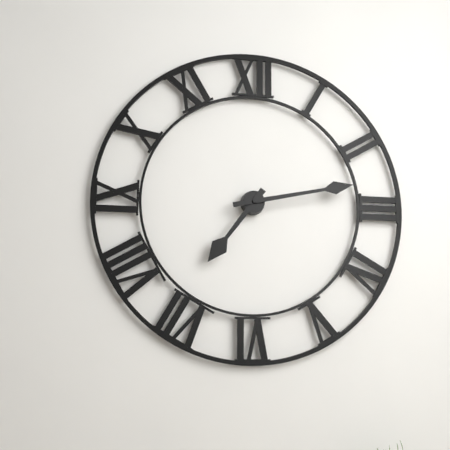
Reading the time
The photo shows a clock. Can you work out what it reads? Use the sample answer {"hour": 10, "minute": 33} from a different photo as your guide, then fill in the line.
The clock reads {"hour": 7, "minute": 13}
